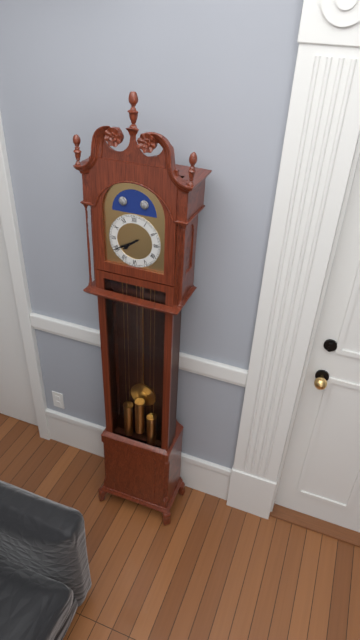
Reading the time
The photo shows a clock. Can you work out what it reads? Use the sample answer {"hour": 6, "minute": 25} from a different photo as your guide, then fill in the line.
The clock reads {"hour": 7, "minute": 40}
